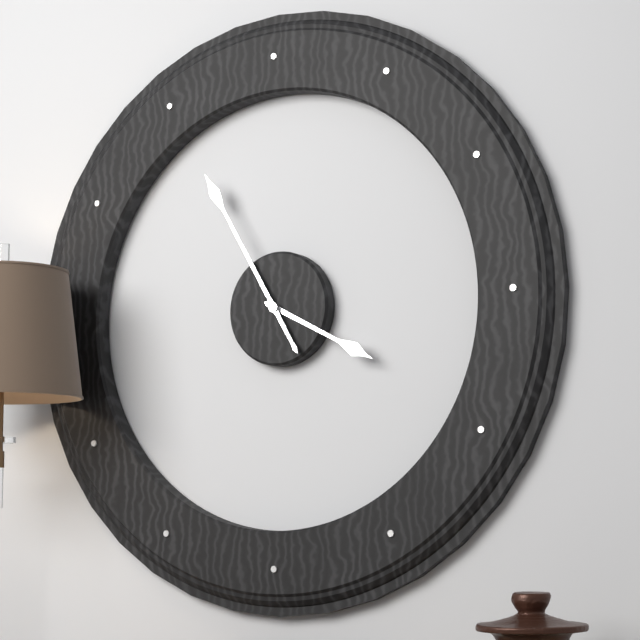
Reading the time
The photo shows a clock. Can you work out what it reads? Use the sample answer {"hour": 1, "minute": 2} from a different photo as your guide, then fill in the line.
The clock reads {"hour": 3, "minute": 55}
